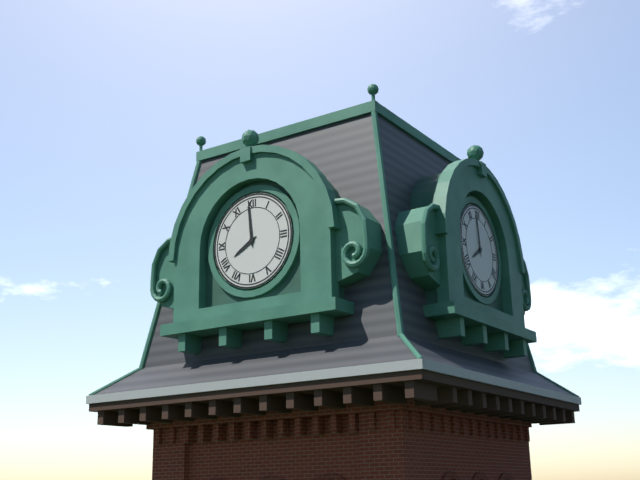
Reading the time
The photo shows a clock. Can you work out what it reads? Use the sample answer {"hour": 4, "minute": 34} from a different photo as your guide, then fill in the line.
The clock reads {"hour": 7, "minute": 59}
